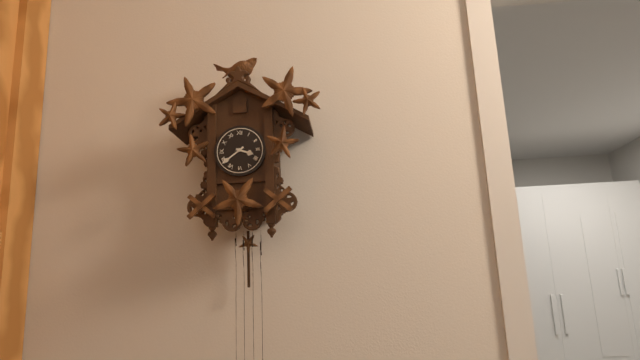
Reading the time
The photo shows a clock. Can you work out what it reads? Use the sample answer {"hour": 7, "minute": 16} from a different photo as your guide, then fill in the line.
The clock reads {"hour": 3, "minute": 39}
